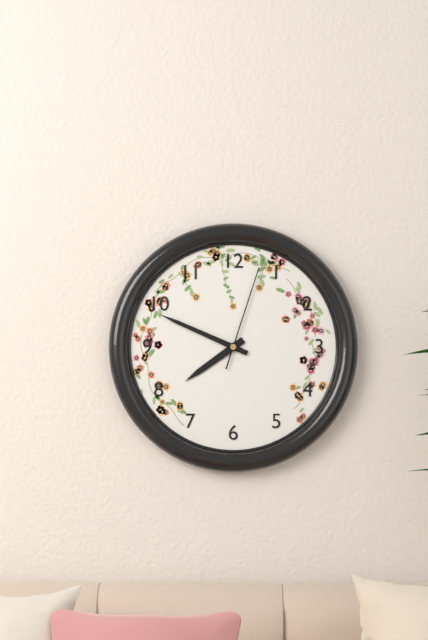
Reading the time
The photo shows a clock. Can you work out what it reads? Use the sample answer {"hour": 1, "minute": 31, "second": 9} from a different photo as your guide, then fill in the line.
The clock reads {"hour": 7, "minute": 49, "second": 3}
